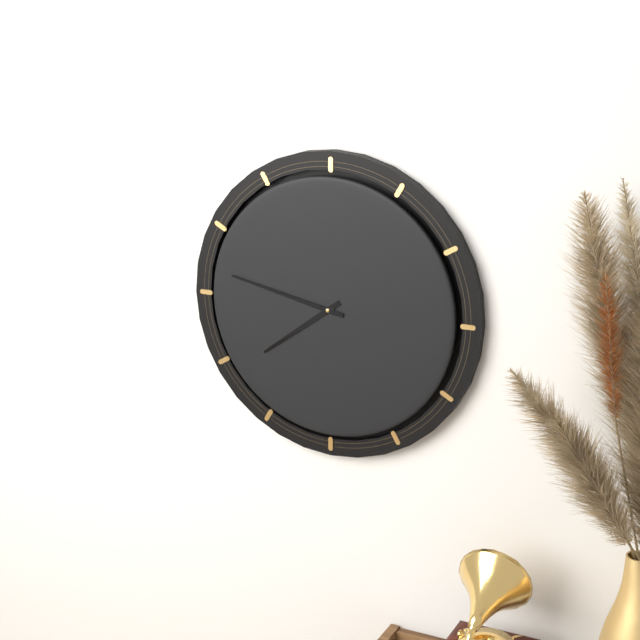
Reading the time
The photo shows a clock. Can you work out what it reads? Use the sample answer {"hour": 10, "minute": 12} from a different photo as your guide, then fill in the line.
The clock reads {"hour": 7, "minute": 47}
